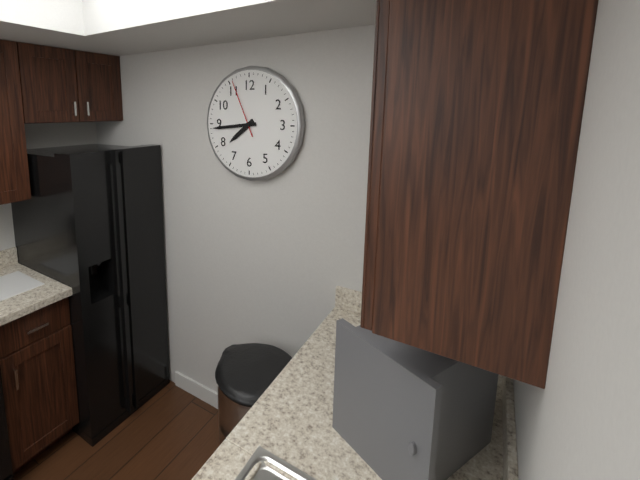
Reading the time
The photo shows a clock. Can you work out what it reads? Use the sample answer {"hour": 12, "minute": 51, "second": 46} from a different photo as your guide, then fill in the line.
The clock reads {"hour": 7, "minute": 44, "second": 56}
